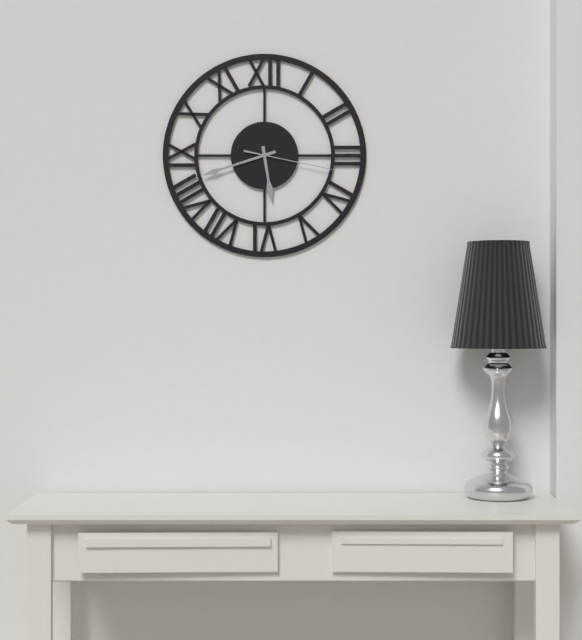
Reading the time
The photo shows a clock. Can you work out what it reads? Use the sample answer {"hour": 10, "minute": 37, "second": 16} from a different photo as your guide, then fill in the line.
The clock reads {"hour": 5, "minute": 42, "second": 17}
